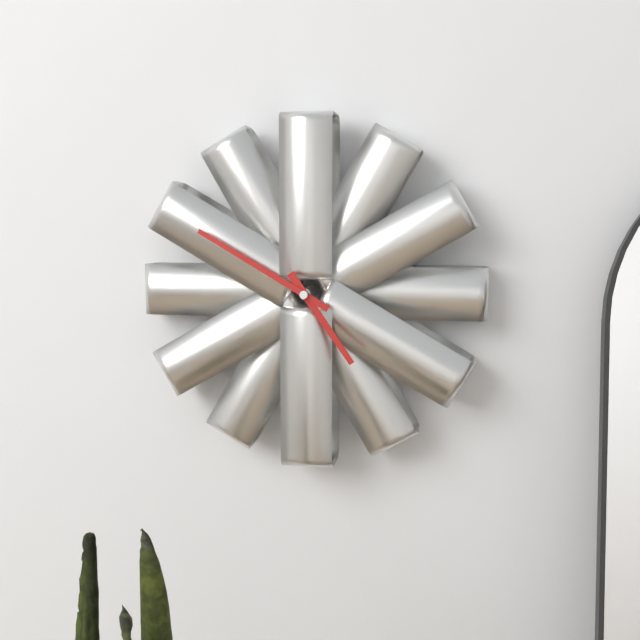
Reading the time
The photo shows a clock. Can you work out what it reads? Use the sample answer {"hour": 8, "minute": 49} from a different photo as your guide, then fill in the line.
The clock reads {"hour": 4, "minute": 50}
